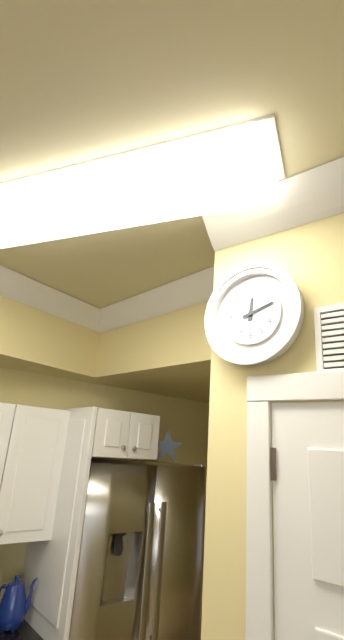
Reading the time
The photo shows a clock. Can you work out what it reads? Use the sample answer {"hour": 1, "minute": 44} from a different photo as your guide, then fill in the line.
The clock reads {"hour": 12, "minute": 12}
